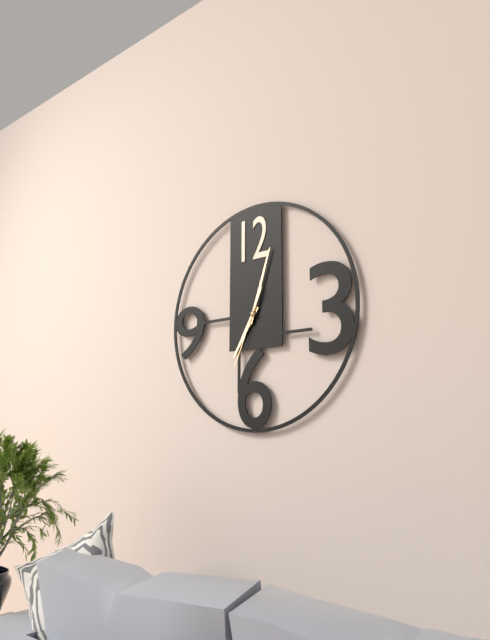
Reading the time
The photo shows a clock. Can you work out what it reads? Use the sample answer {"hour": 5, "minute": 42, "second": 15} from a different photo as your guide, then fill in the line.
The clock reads {"hour": 7, "minute": 3, "second": 34}
